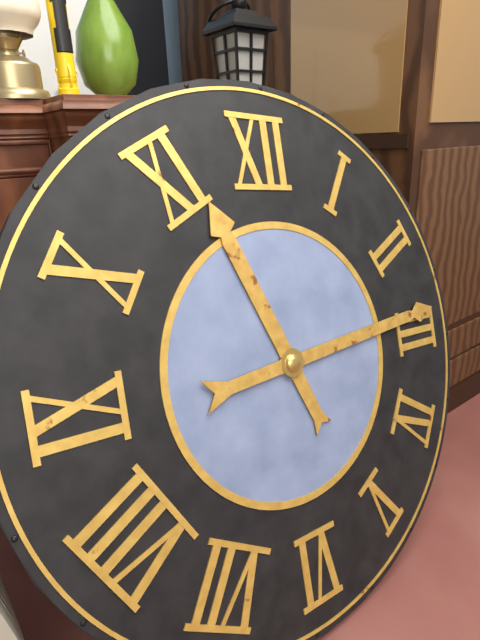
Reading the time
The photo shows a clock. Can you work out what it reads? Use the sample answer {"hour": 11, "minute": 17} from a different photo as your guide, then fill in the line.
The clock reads {"hour": 11, "minute": 14}
